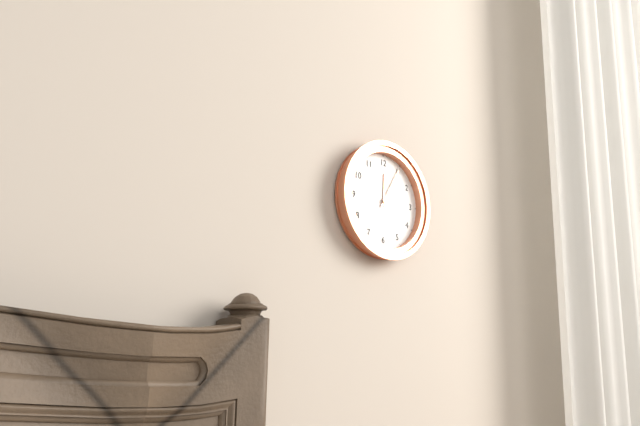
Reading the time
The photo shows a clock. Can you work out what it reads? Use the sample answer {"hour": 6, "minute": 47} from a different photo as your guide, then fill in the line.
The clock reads {"hour": 12, "minute": 5}
